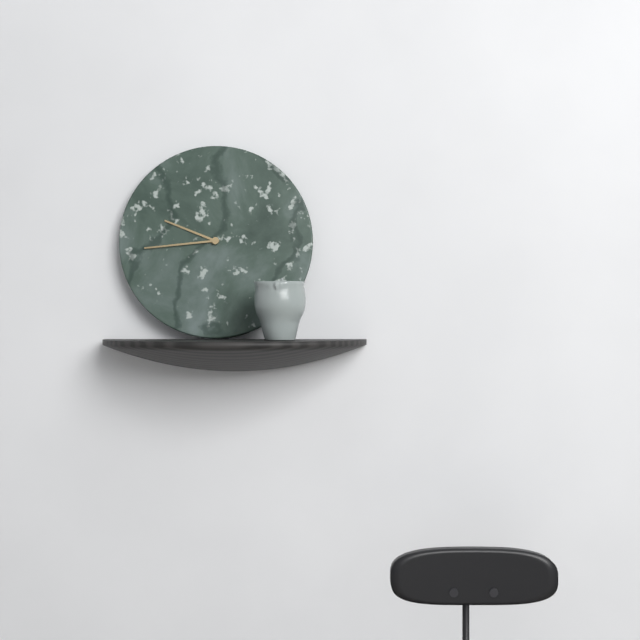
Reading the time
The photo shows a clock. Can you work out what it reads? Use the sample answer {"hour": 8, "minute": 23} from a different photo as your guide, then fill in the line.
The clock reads {"hour": 9, "minute": 44}
